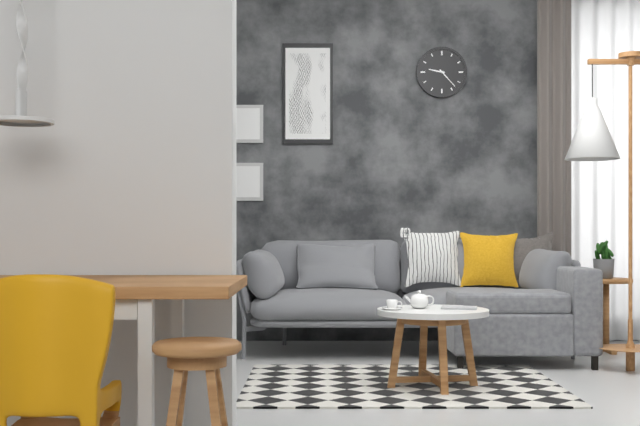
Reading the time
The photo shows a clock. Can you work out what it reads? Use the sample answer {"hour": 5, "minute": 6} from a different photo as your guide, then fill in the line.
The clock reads {"hour": 9, "minute": 23}
